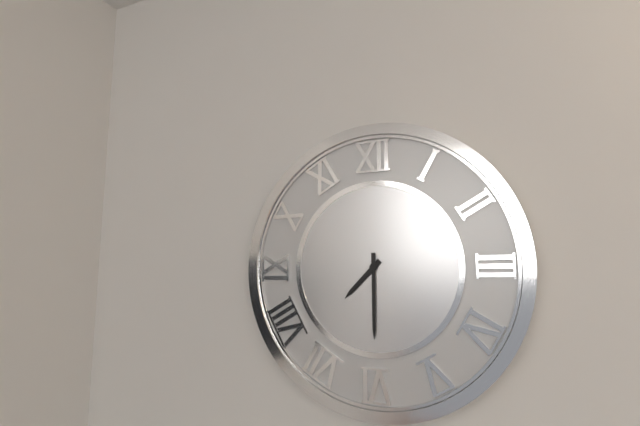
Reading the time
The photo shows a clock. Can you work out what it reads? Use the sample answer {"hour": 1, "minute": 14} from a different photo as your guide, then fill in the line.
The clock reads {"hour": 7, "minute": 30}
